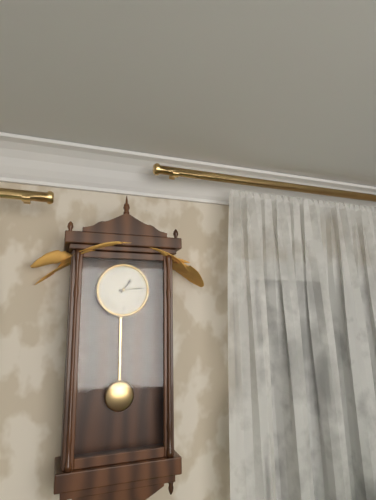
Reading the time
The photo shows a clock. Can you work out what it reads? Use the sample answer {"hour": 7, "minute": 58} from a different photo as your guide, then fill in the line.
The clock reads {"hour": 1, "minute": 14}
